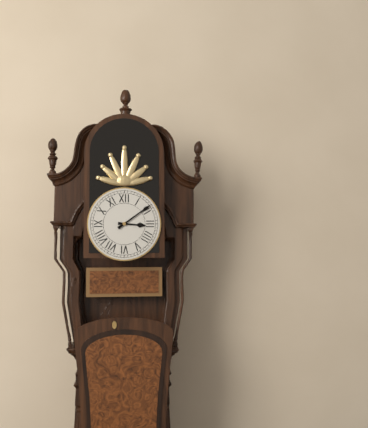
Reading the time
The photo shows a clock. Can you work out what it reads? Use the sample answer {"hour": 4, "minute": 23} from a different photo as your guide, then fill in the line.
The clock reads {"hour": 3, "minute": 9}
